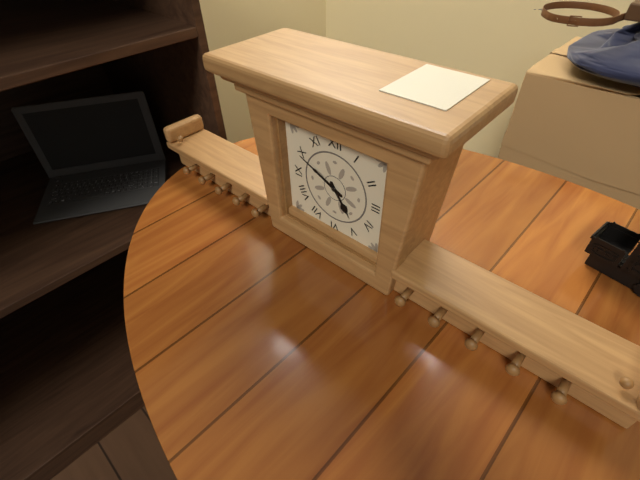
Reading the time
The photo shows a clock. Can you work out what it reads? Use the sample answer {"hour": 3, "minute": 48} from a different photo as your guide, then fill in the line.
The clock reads {"hour": 4, "minute": 49}
